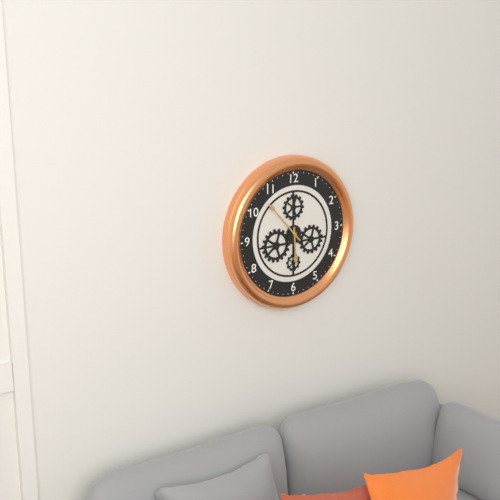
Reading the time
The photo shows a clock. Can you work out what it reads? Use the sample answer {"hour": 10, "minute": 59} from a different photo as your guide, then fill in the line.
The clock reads {"hour": 5, "minute": 53}
